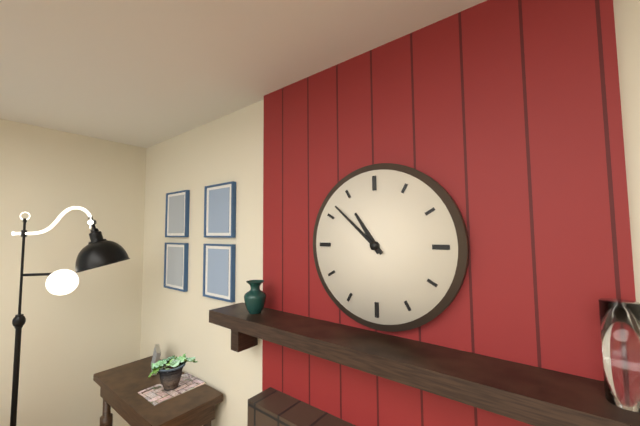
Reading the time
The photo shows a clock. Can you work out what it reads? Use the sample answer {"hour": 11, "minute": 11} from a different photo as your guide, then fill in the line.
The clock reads {"hour": 10, "minute": 52}
